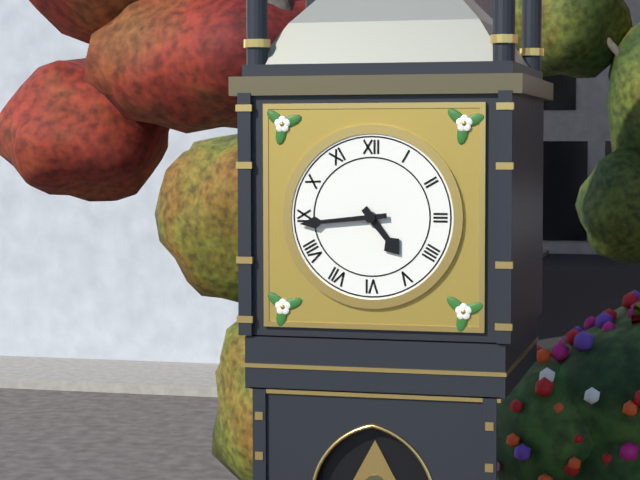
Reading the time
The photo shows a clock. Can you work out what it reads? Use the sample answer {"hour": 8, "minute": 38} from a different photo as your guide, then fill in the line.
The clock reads {"hour": 4, "minute": 44}
